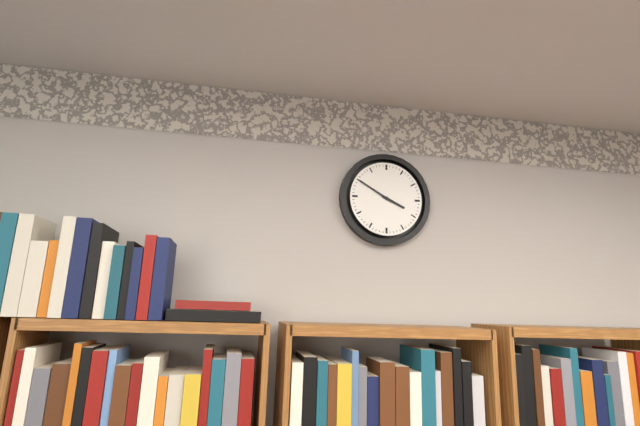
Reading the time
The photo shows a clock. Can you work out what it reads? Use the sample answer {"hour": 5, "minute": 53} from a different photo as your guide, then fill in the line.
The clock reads {"hour": 3, "minute": 50}
